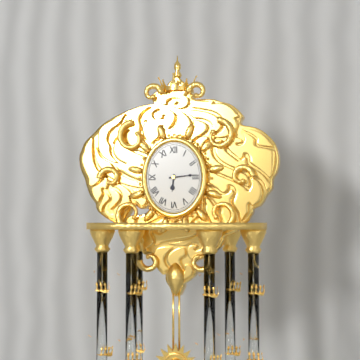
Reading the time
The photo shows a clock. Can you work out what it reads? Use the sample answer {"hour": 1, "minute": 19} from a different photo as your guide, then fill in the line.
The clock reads {"hour": 6, "minute": 14}
